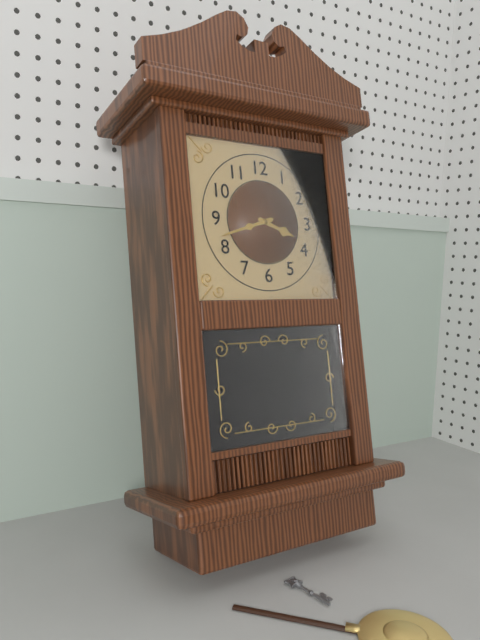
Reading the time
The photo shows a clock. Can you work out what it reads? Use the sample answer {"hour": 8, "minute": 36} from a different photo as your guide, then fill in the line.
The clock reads {"hour": 3, "minute": 42}
